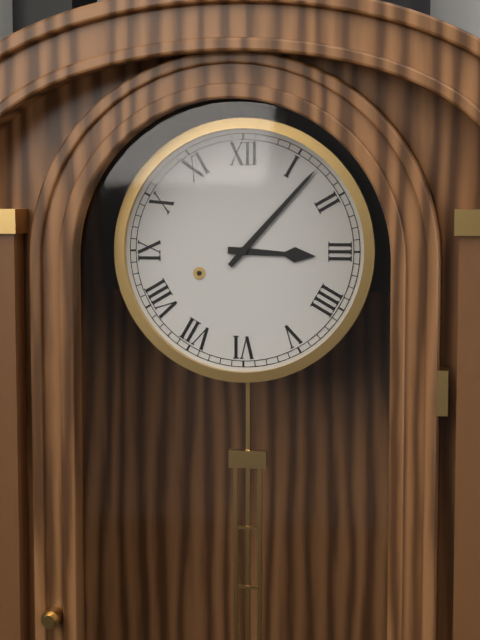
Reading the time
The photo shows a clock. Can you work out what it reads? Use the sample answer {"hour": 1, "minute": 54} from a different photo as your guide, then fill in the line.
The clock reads {"hour": 3, "minute": 7}
